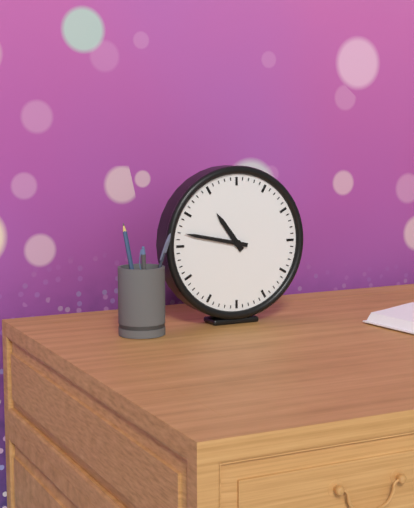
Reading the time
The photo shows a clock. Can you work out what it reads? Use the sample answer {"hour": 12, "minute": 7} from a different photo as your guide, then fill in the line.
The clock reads {"hour": 10, "minute": 47}
